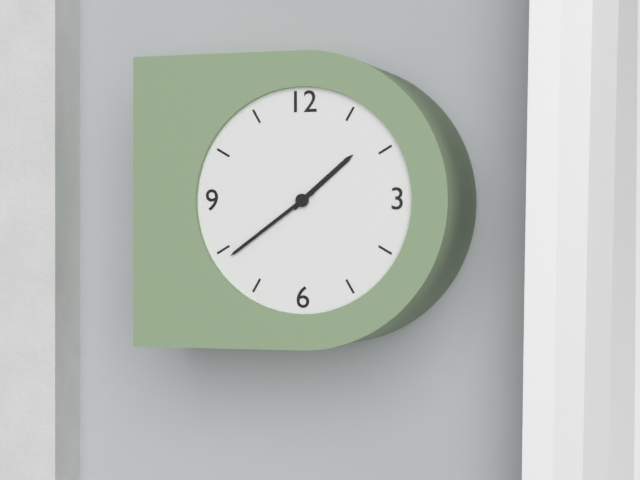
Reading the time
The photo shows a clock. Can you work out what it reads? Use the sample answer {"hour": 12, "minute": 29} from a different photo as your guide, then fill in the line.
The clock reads {"hour": 1, "minute": 39}
